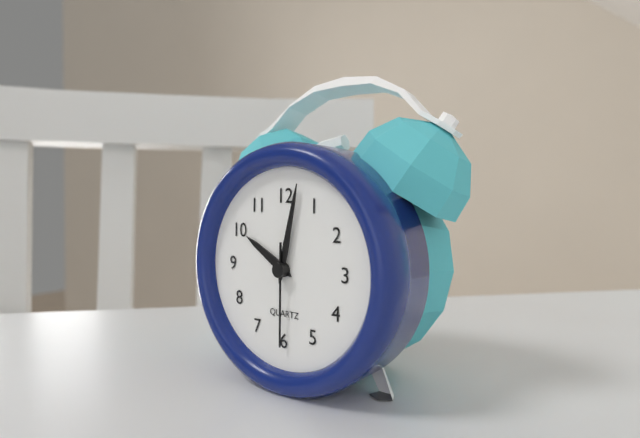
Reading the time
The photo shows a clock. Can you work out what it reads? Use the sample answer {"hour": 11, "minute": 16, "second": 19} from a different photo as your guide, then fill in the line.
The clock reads {"hour": 10, "minute": 2, "second": 30}
